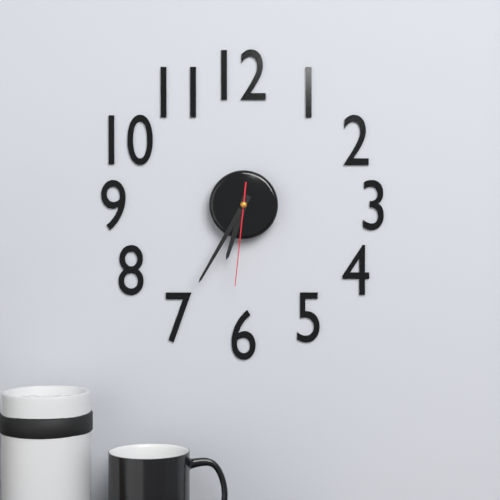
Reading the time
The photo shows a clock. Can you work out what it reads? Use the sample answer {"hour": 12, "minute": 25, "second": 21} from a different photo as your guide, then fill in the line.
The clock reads {"hour": 6, "minute": 35, "second": 31}
